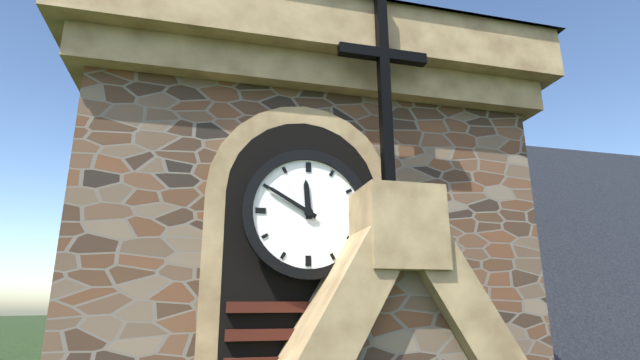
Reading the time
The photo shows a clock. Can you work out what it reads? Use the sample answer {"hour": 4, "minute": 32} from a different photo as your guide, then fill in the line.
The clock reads {"hour": 11, "minute": 50}
